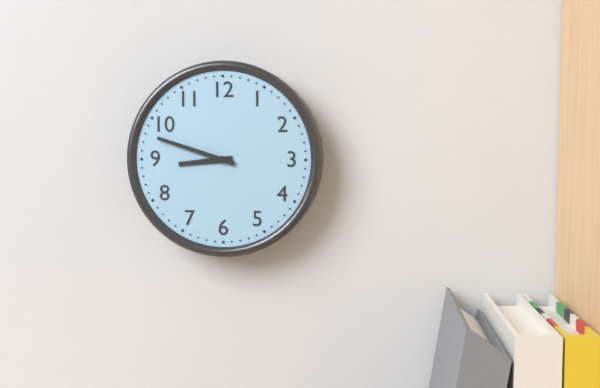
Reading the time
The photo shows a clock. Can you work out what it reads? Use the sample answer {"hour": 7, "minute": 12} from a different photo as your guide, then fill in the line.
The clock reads {"hour": 8, "minute": 48}
